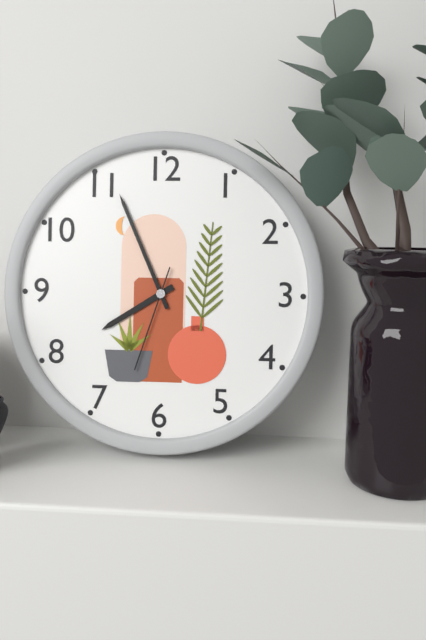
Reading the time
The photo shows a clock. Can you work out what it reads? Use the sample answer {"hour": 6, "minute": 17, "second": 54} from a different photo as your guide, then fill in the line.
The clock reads {"hour": 7, "minute": 56, "second": 33}
